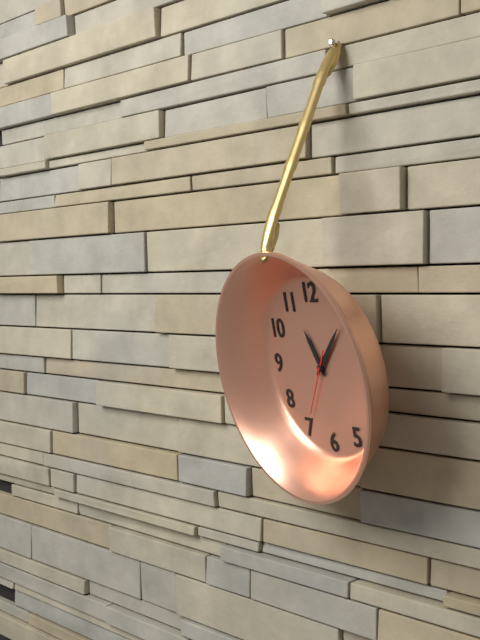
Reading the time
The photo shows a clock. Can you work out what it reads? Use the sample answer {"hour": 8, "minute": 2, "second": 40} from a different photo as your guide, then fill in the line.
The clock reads {"hour": 11, "minute": 7, "second": 35}
